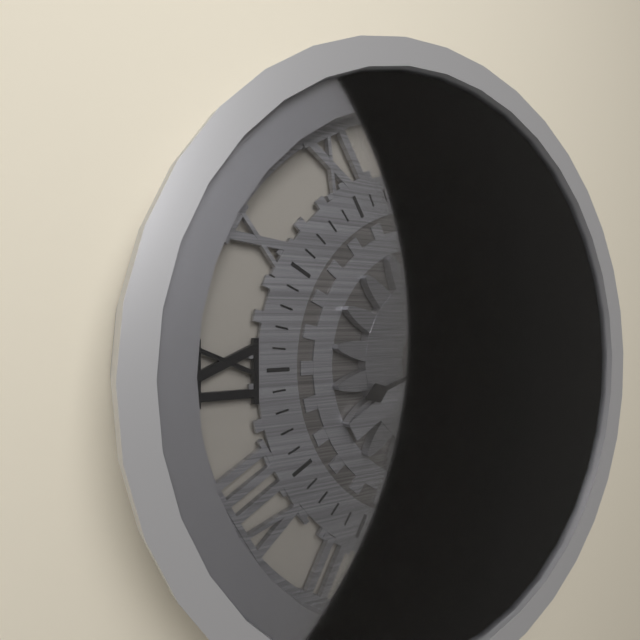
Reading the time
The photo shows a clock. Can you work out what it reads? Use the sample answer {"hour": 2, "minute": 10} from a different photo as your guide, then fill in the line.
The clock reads {"hour": 1, "minute": 12}
